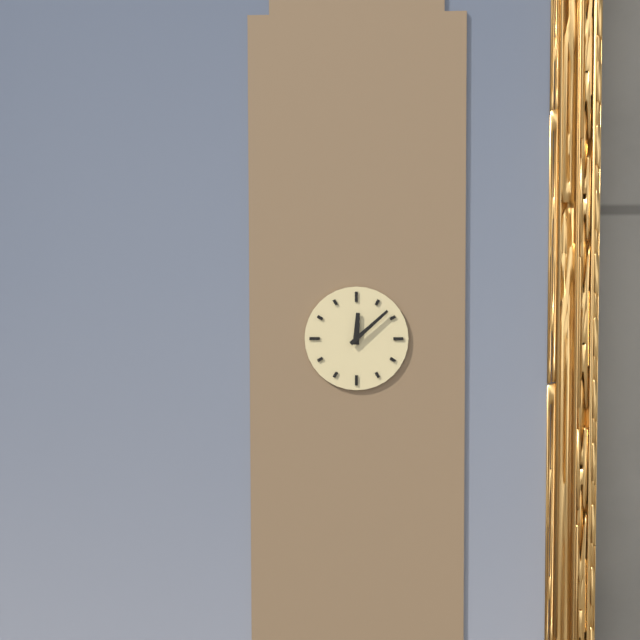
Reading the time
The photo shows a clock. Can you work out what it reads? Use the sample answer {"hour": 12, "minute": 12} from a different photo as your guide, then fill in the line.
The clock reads {"hour": 12, "minute": 8}
